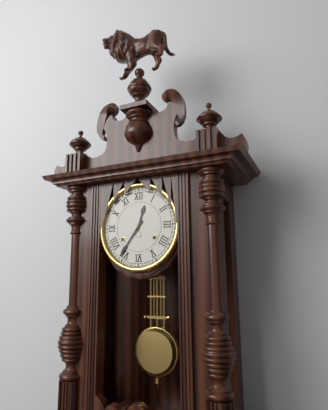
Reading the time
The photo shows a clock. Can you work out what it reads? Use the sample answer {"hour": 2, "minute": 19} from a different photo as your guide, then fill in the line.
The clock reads {"hour": 12, "minute": 36}
